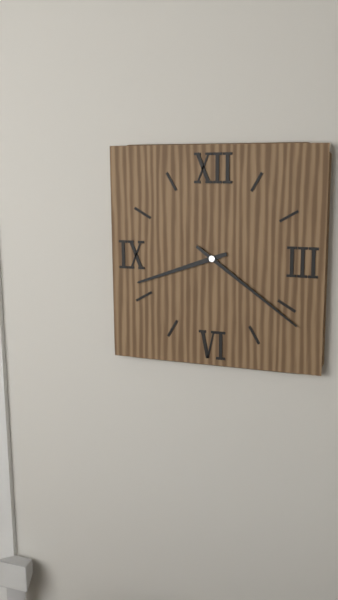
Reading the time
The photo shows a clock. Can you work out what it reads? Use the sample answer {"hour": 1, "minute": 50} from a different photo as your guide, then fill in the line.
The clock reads {"hour": 8, "minute": 21}
